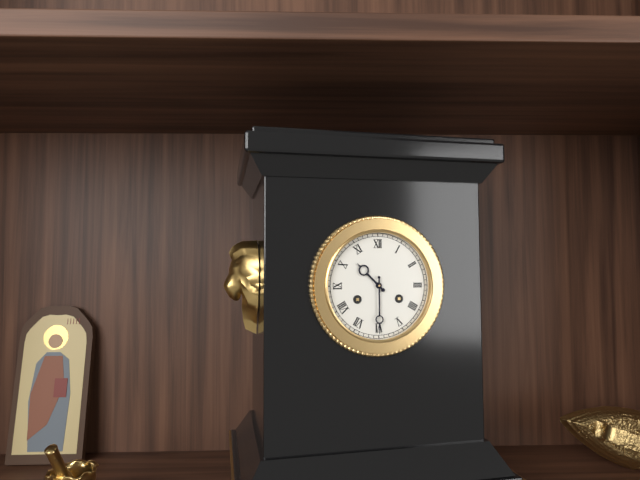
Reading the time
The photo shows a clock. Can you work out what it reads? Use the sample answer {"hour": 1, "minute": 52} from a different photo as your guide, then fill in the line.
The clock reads {"hour": 10, "minute": 30}
